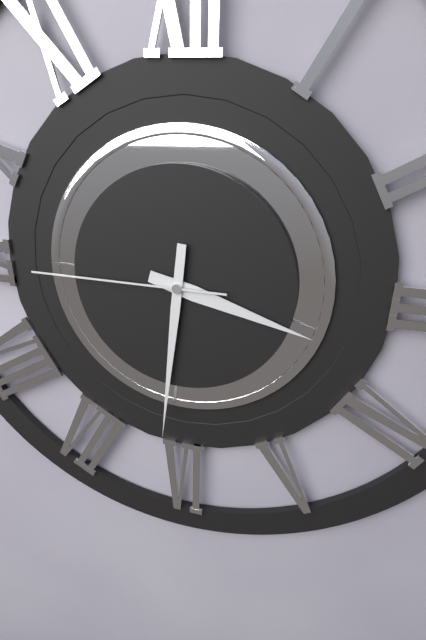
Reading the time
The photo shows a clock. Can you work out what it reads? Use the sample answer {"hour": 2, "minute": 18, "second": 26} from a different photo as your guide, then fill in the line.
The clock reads {"hour": 3, "minute": 31, "second": 45}
